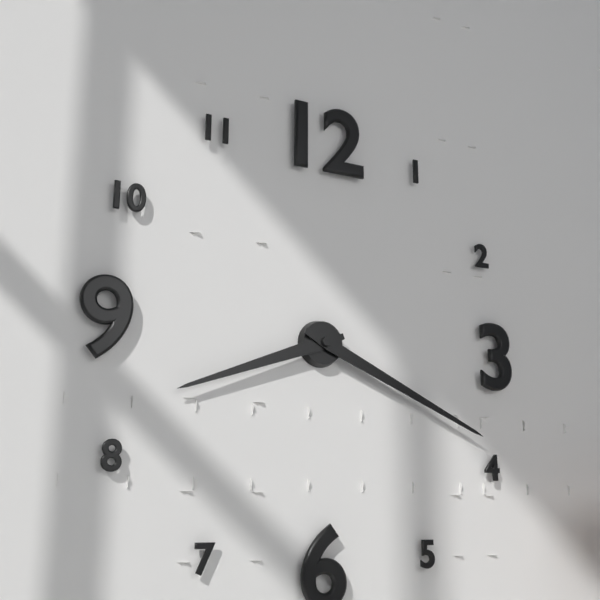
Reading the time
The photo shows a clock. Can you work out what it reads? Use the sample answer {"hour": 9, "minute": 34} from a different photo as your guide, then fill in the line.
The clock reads {"hour": 8, "minute": 19}
